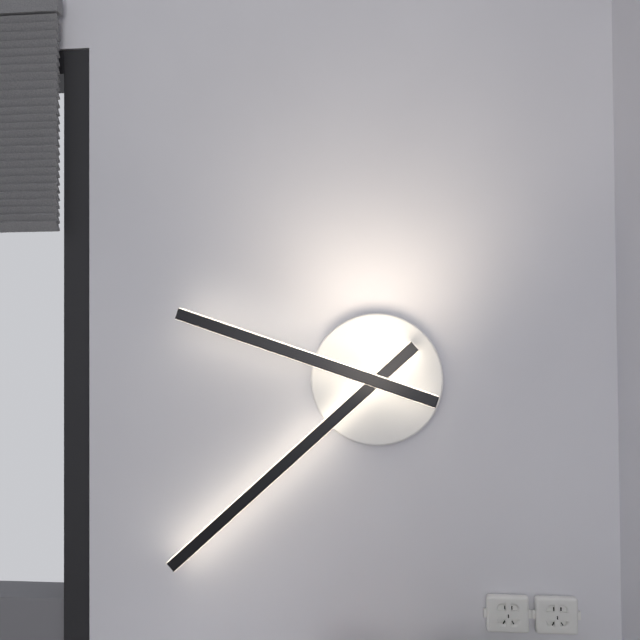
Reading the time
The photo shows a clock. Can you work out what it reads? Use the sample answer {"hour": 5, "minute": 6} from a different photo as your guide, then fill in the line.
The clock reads {"hour": 9, "minute": 38}
